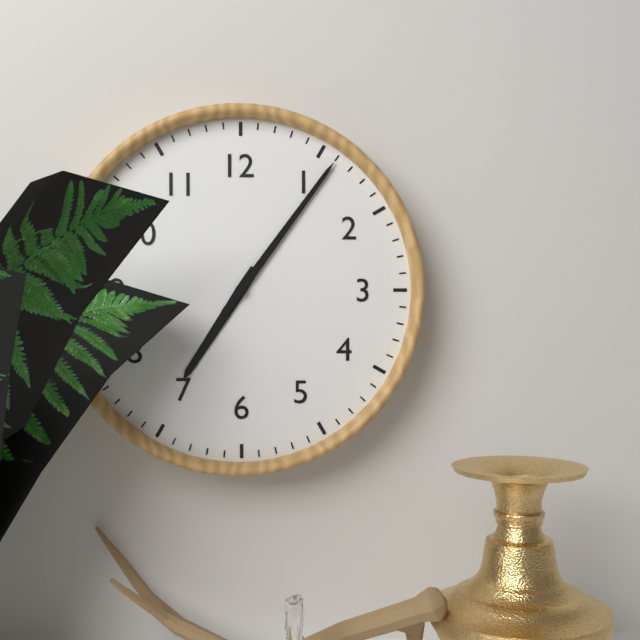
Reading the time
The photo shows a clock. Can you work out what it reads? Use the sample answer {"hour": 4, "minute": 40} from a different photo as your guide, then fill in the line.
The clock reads {"hour": 7, "minute": 6}
